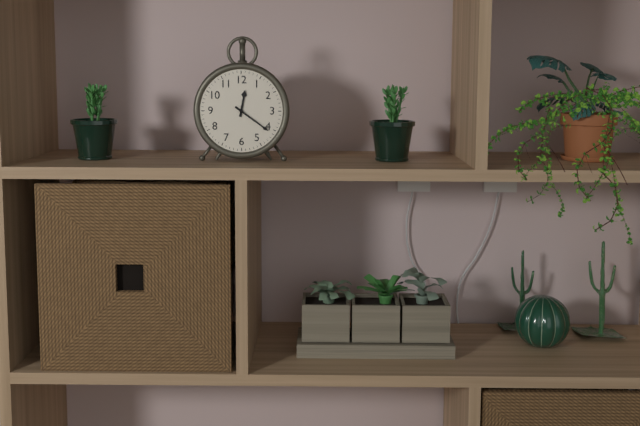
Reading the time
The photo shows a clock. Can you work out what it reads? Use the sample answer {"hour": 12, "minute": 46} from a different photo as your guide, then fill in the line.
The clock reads {"hour": 12, "minute": 21}
